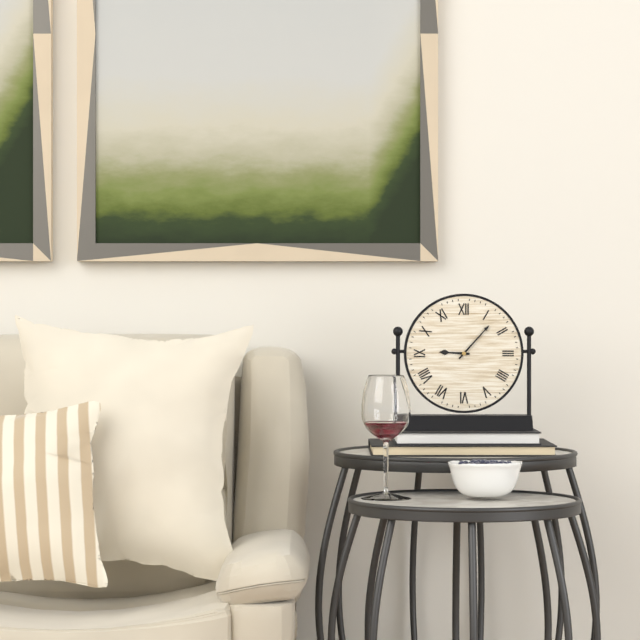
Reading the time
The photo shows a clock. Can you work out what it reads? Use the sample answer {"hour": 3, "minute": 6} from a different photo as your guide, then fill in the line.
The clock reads {"hour": 9, "minute": 7}
